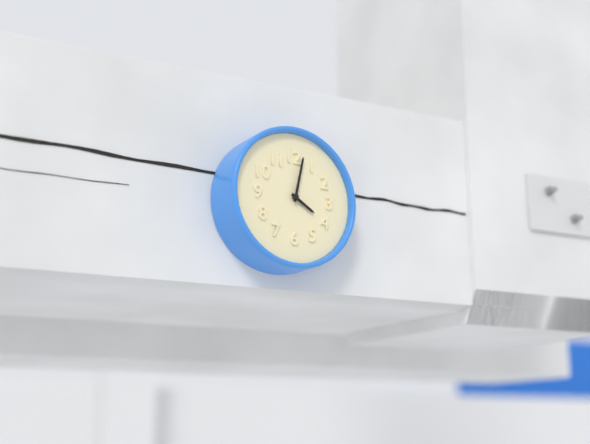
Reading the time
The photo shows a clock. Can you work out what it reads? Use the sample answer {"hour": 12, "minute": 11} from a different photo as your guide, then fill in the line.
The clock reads {"hour": 4, "minute": 2}
